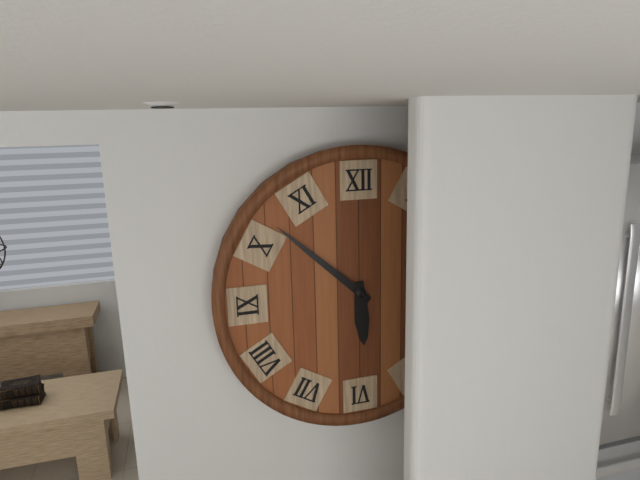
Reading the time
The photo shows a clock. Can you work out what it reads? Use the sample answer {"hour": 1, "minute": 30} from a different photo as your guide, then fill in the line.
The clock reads {"hour": 5, "minute": 52}
